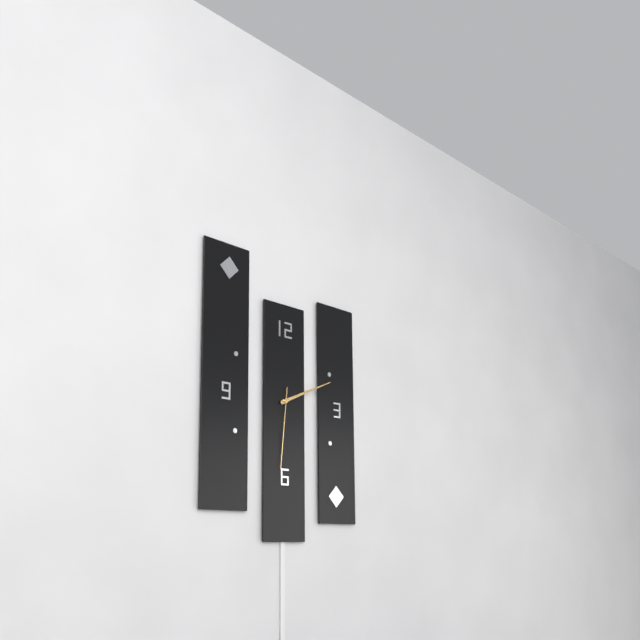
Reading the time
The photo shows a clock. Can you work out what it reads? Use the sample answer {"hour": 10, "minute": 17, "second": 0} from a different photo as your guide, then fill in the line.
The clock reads {"hour": 2, "minute": 11, "second": 31}
